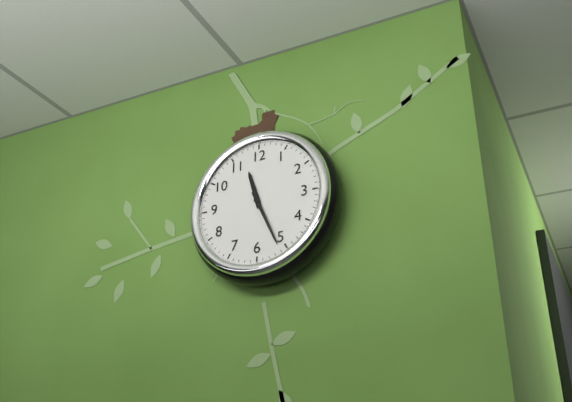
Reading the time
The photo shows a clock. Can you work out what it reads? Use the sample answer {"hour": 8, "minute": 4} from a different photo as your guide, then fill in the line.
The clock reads {"hour": 11, "minute": 26}
